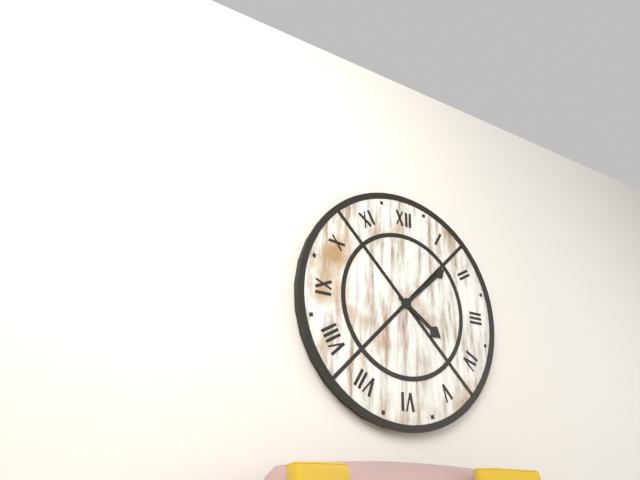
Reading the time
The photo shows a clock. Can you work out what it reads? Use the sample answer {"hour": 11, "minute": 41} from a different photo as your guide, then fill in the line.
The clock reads {"hour": 4, "minute": 8}
